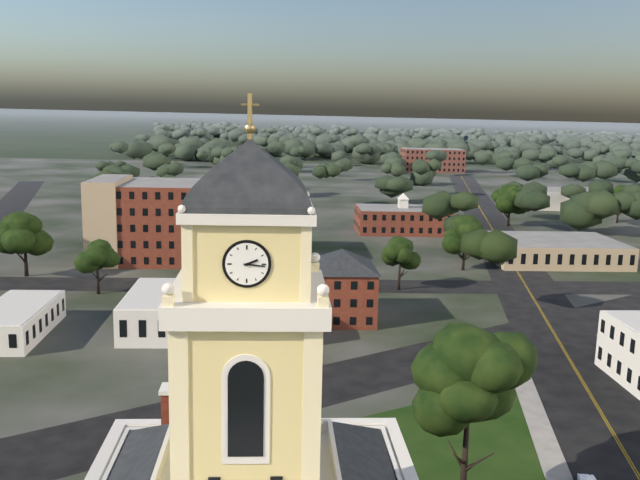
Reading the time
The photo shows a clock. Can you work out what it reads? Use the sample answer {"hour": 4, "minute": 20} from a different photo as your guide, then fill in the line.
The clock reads {"hour": 2, "minute": 16}
